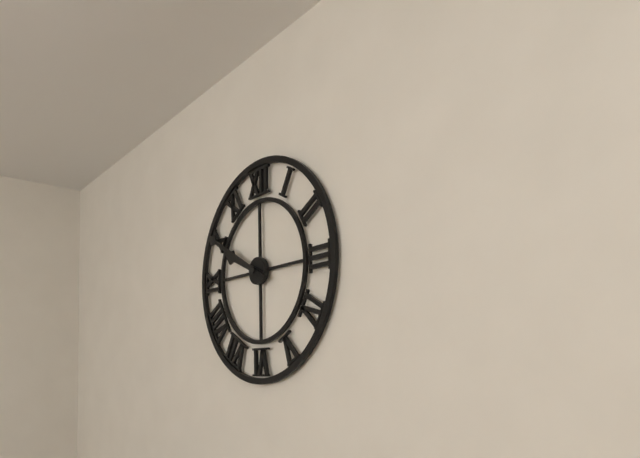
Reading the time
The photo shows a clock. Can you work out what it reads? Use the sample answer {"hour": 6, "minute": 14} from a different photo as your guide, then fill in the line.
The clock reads {"hour": 9, "minute": 50}
